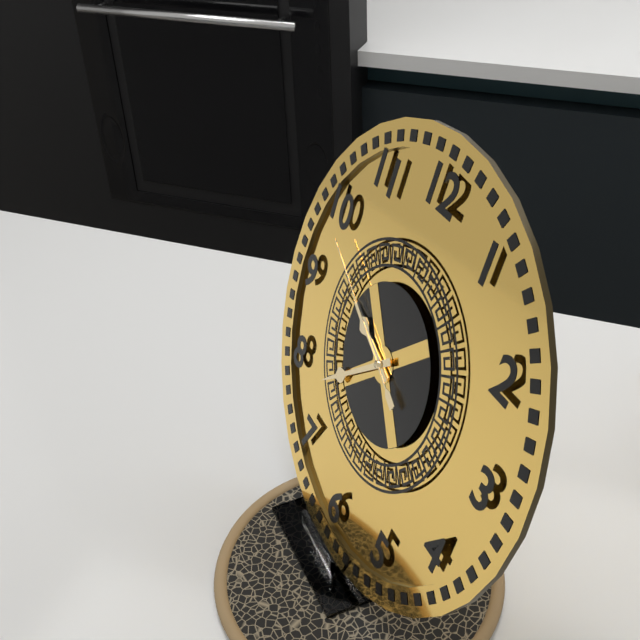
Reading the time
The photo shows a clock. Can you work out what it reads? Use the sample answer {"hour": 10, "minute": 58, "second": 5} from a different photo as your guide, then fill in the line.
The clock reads {"hour": 9, "minute": 38, "second": 49}
